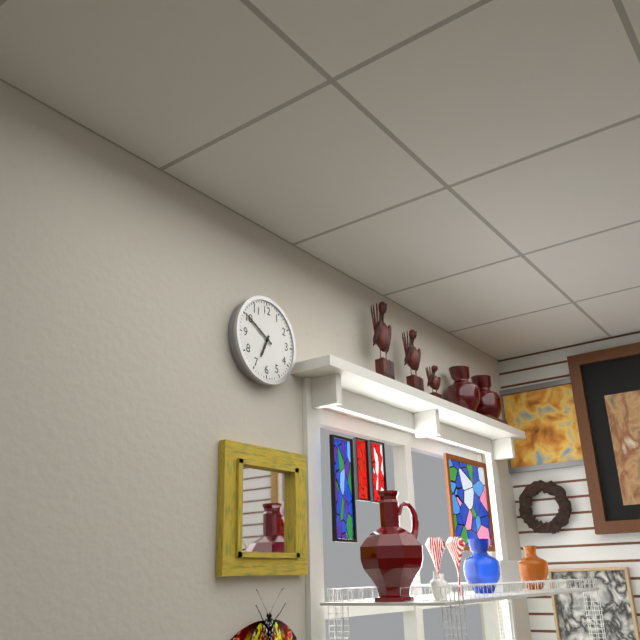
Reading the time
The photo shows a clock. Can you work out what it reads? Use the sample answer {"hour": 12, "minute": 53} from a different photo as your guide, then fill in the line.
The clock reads {"hour": 6, "minute": 50}
